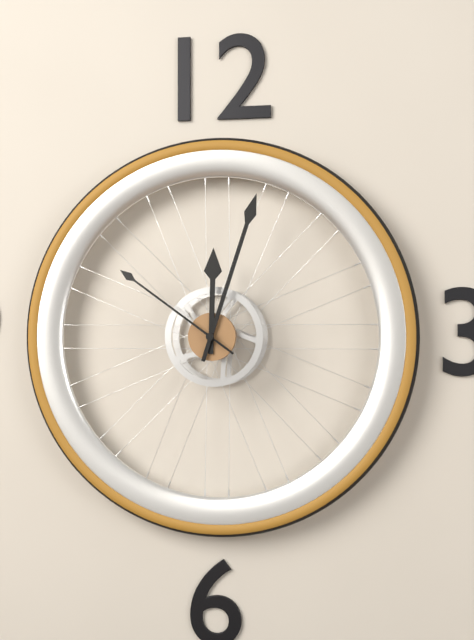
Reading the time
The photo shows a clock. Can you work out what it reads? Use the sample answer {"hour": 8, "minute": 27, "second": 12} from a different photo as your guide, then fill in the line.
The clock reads {"hour": 12, "minute": 3, "second": 51}
